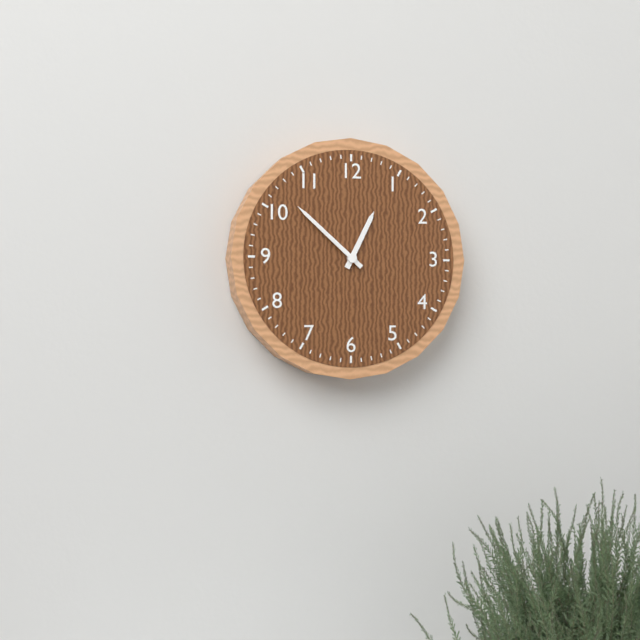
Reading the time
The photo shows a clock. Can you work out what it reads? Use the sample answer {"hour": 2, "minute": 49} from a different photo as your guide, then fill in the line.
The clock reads {"hour": 12, "minute": 52}
